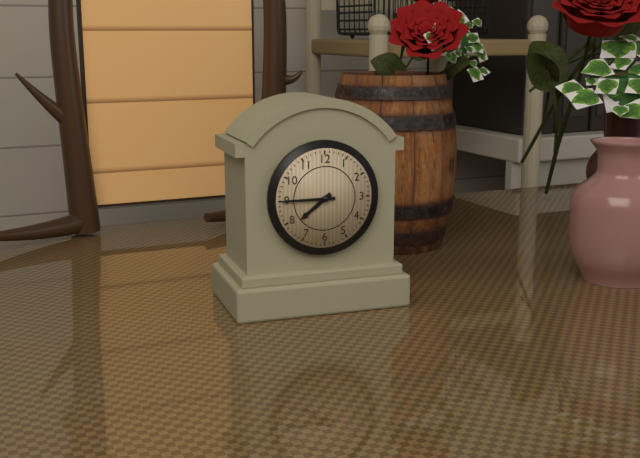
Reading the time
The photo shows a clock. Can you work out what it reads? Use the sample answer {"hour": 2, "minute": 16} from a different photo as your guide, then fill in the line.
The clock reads {"hour": 7, "minute": 45}
